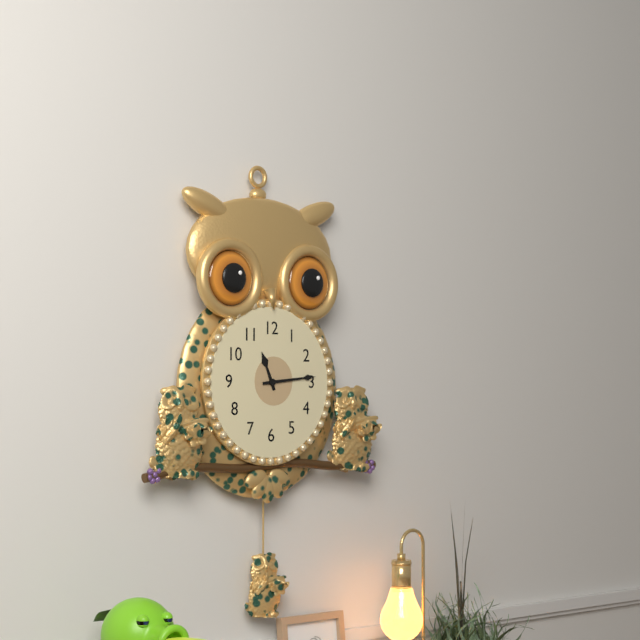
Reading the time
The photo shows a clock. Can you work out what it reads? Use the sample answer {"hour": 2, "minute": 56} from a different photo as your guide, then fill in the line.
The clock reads {"hour": 11, "minute": 14}
